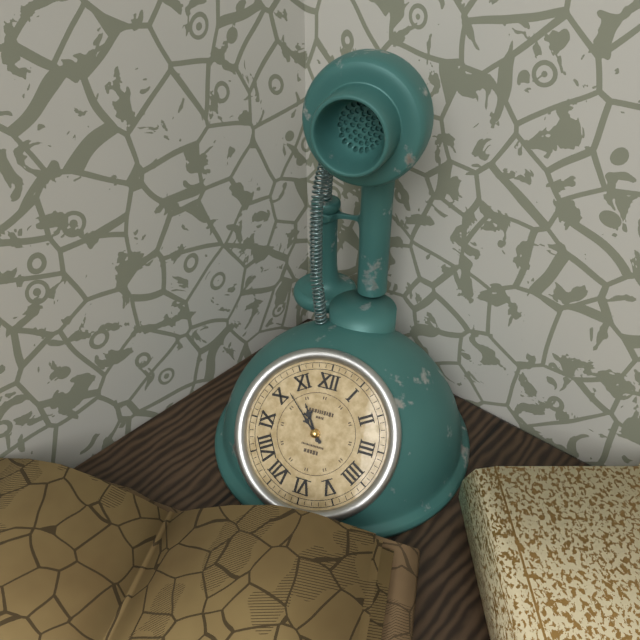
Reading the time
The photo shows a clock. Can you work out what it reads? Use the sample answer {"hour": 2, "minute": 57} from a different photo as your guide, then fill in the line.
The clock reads {"hour": 10, "minute": 52}
